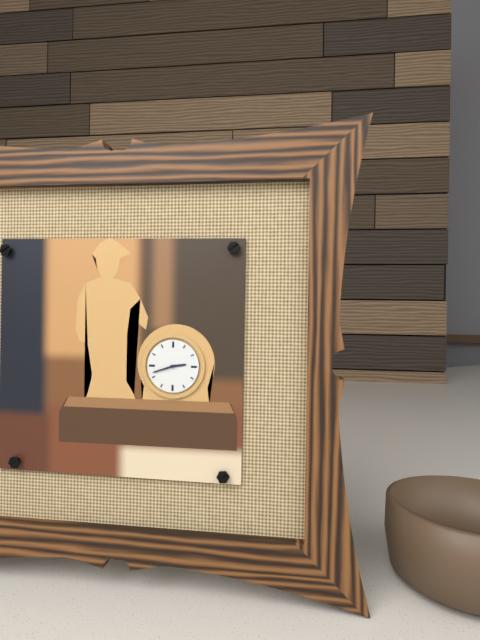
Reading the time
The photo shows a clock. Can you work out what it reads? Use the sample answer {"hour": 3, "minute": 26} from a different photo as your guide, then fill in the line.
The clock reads {"hour": 2, "minute": 42}
